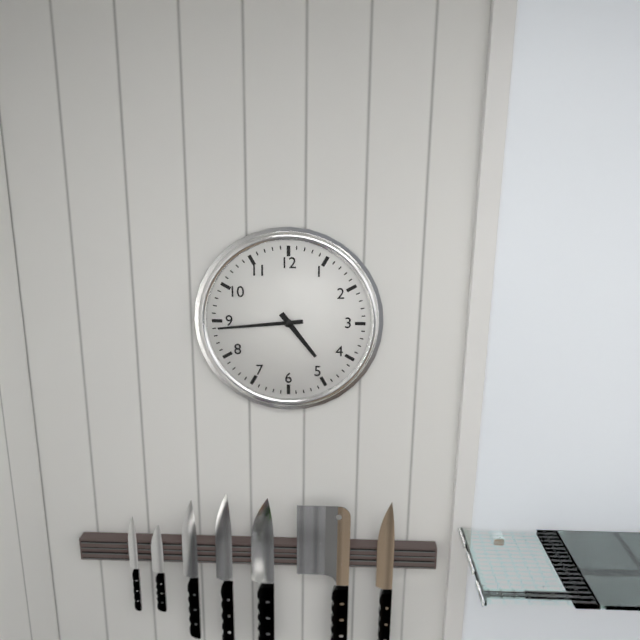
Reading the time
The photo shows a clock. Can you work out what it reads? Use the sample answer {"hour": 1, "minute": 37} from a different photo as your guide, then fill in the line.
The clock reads {"hour": 4, "minute": 44}
